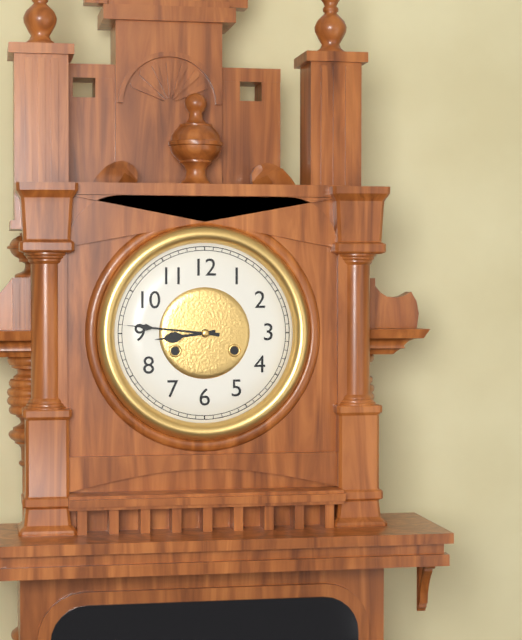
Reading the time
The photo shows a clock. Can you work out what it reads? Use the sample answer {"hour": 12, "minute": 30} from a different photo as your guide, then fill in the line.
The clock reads {"hour": 8, "minute": 46}
